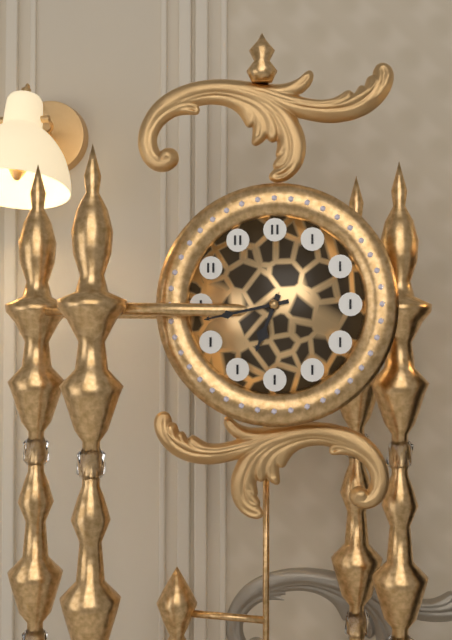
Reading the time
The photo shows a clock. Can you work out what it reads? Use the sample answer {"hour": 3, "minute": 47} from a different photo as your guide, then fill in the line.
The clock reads {"hour": 6, "minute": 43}
